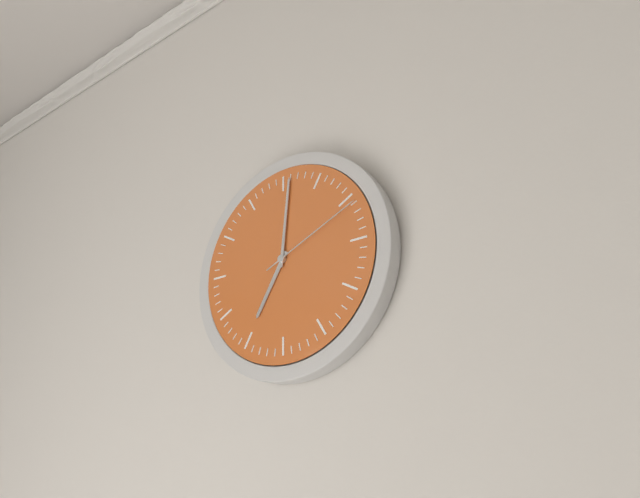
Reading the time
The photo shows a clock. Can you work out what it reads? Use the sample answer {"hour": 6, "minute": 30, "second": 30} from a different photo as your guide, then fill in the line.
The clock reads {"hour": 7, "minute": 1, "second": 11}
